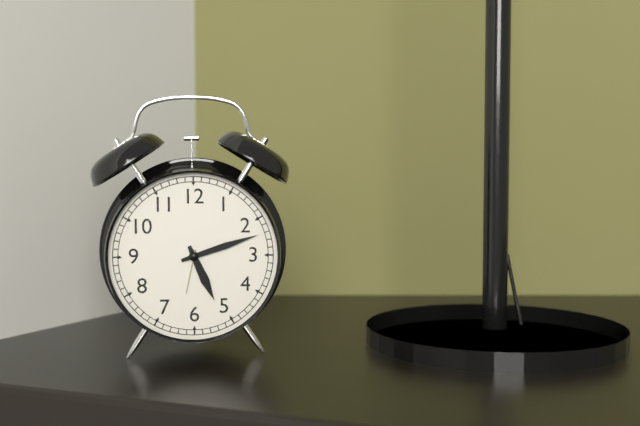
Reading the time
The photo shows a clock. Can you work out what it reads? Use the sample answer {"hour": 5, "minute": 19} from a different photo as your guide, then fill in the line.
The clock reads {"hour": 5, "minute": 12}
